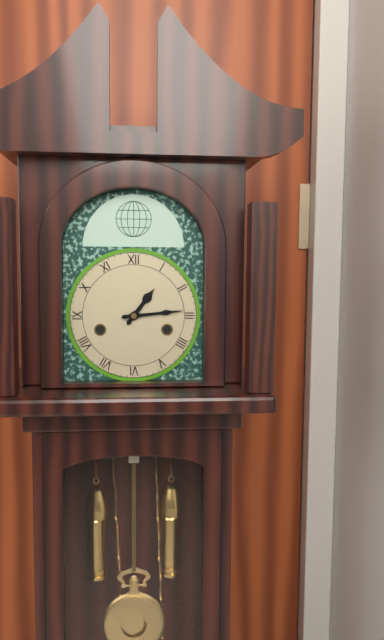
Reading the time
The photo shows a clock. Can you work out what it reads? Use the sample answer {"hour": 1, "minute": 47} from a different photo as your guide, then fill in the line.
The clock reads {"hour": 1, "minute": 14}
